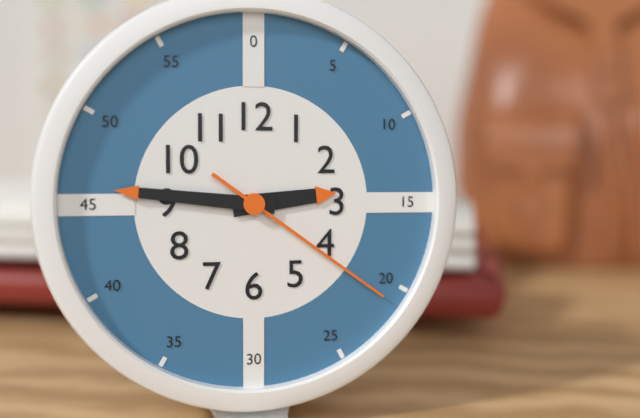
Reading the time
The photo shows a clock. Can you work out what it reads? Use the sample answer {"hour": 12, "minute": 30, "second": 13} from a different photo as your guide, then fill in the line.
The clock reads {"hour": 2, "minute": 46, "second": 21}
